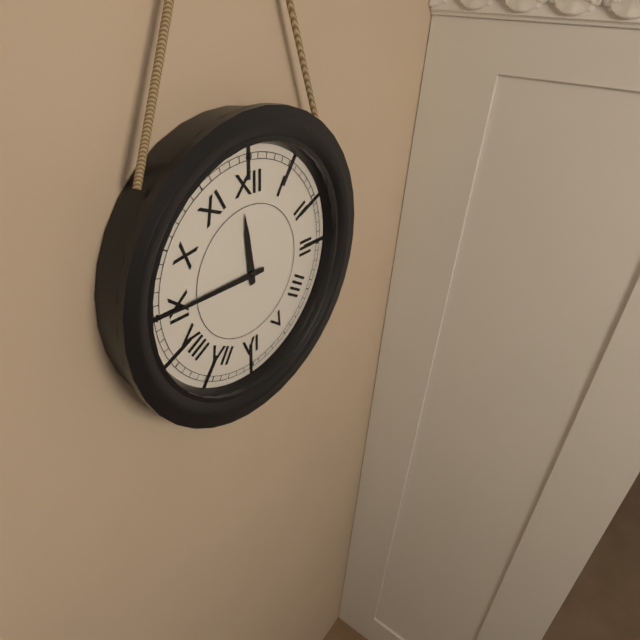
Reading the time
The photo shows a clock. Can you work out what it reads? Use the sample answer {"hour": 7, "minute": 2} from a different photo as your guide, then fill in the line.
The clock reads {"hour": 11, "minute": 45}
